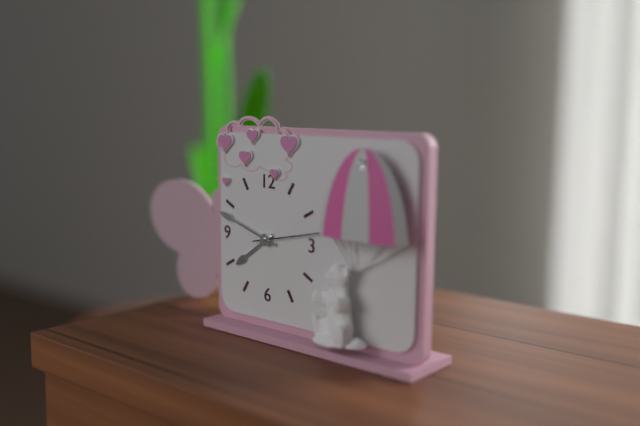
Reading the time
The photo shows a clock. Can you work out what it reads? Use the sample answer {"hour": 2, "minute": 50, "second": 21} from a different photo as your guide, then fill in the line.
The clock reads {"hour": 7, "minute": 48, "second": 13}
